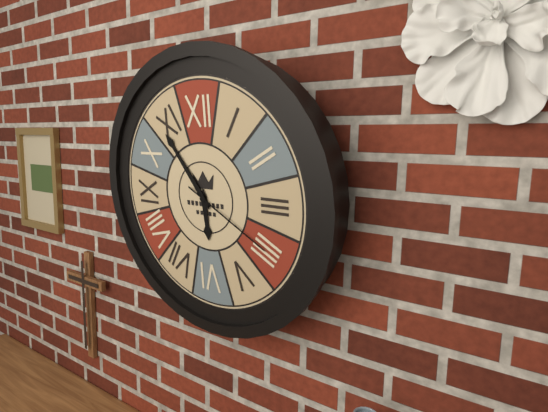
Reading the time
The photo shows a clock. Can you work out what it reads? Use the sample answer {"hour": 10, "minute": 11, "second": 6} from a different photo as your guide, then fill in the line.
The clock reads {"hour": 5, "minute": 54, "second": 20}
